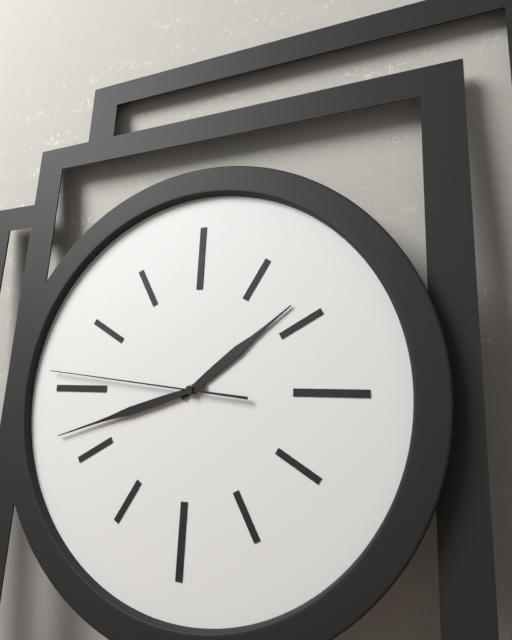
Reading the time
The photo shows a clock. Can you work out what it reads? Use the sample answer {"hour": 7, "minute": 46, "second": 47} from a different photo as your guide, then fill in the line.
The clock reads {"hour": 1, "minute": 42, "second": 46}
